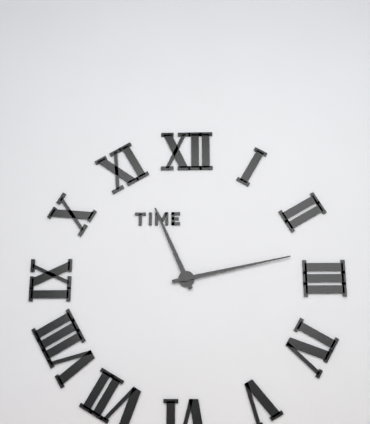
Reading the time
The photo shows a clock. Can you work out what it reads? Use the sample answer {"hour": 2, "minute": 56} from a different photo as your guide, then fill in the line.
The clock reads {"hour": 11, "minute": 13}
